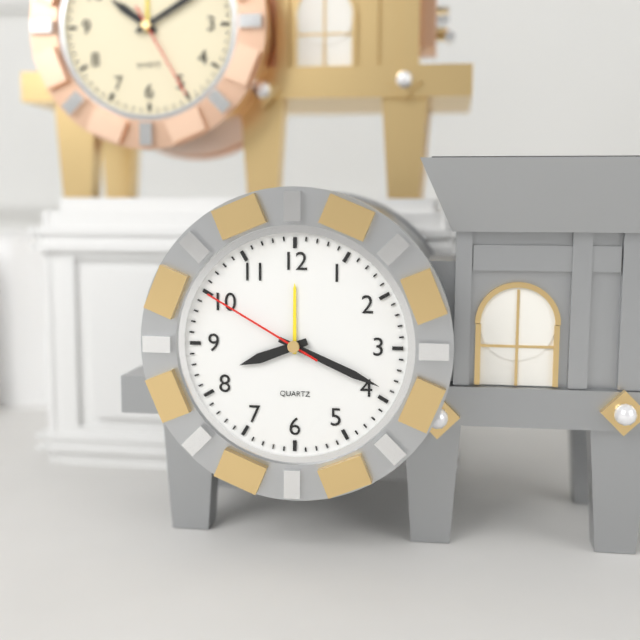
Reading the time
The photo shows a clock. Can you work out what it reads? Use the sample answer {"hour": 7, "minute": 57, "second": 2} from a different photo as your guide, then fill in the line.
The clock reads {"hour": 8, "minute": 19, "second": 50}
